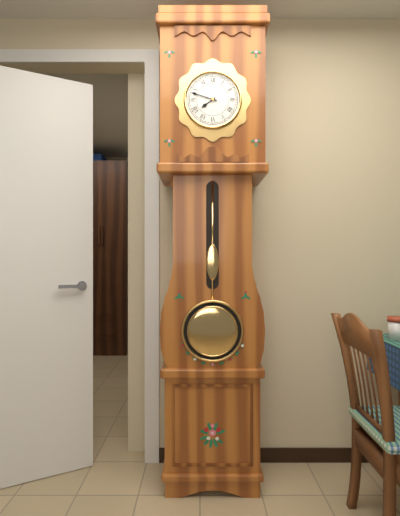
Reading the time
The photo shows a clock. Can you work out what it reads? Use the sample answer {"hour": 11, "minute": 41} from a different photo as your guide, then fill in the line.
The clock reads {"hour": 7, "minute": 48}
